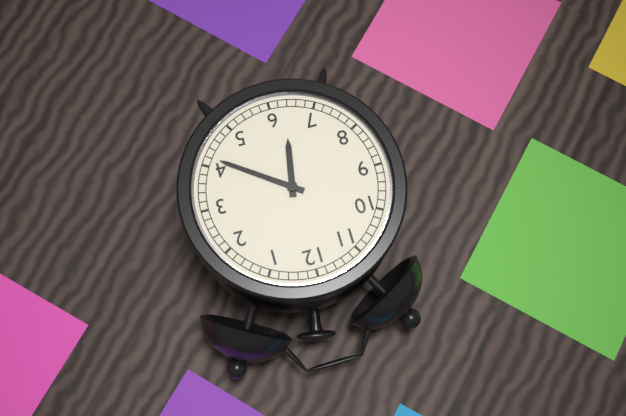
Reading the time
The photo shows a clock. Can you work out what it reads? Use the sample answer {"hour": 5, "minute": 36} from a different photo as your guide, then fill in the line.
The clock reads {"hour": 6, "minute": 21}
